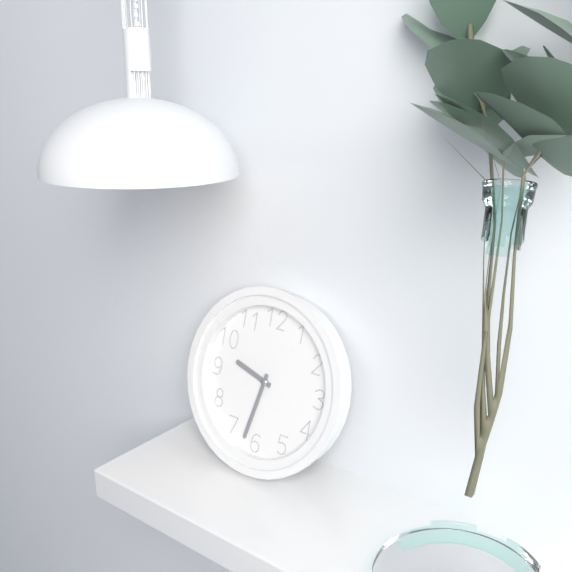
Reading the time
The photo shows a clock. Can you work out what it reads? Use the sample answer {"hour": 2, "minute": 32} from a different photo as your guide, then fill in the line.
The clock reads {"hour": 9, "minute": 32}
